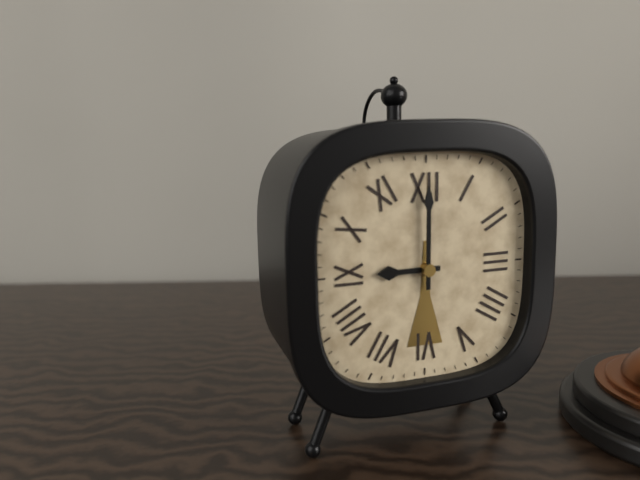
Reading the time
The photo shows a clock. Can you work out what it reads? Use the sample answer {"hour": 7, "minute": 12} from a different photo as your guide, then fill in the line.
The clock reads {"hour": 9, "minute": 0}
